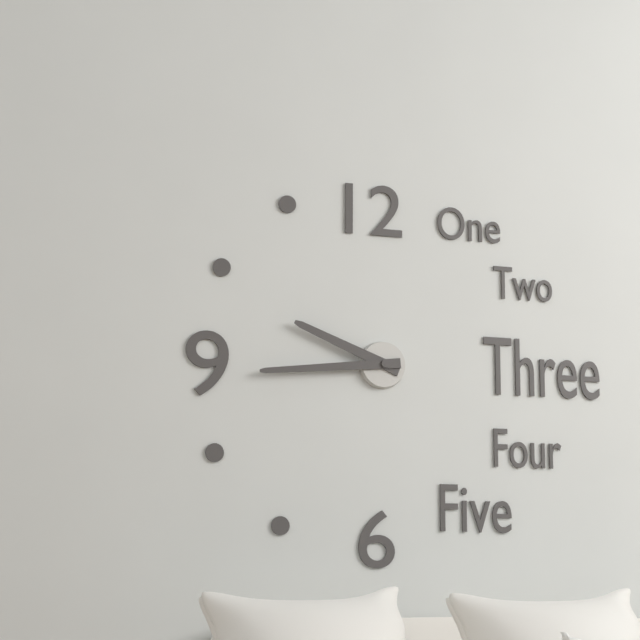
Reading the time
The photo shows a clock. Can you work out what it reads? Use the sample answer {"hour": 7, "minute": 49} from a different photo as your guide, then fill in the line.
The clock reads {"hour": 9, "minute": 44}
